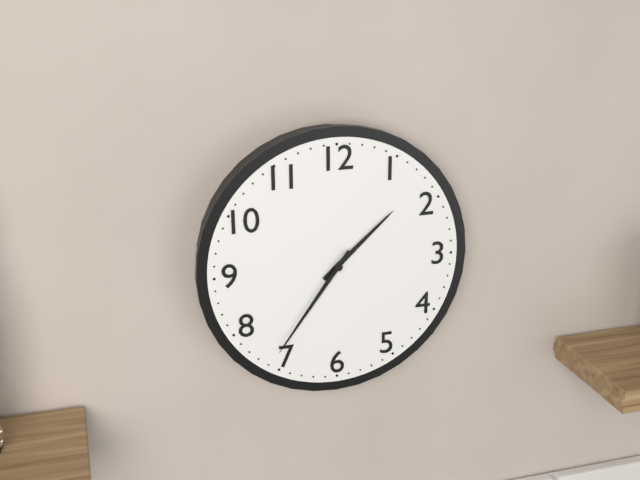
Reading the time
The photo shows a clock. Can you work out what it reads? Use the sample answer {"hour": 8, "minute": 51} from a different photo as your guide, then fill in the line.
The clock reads {"hour": 1, "minute": 36}
